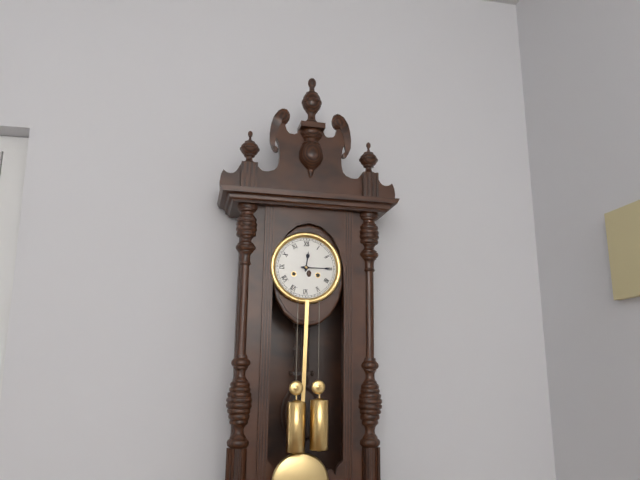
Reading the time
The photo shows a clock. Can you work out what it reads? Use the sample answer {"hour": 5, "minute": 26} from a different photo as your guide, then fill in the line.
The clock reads {"hour": 12, "minute": 15}
